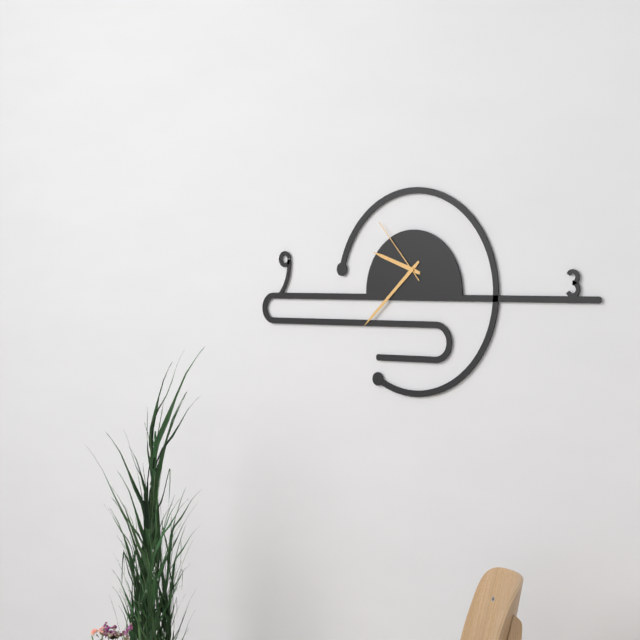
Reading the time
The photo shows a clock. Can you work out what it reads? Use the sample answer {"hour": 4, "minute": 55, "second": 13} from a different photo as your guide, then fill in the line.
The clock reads {"hour": 9, "minute": 38, "second": 53}
